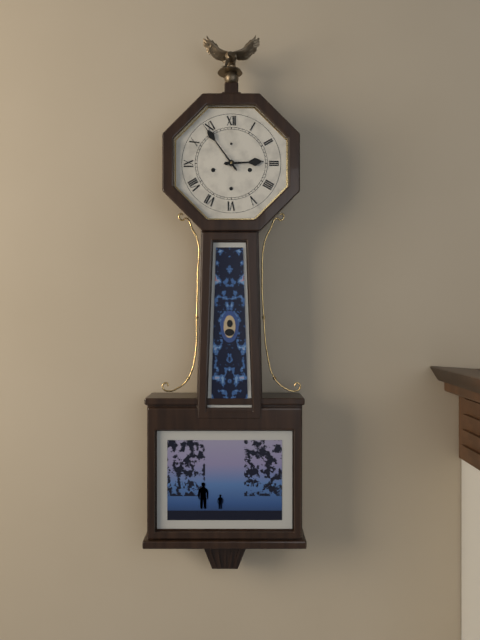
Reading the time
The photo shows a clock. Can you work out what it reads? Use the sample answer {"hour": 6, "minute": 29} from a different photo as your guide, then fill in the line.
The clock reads {"hour": 2, "minute": 54}
